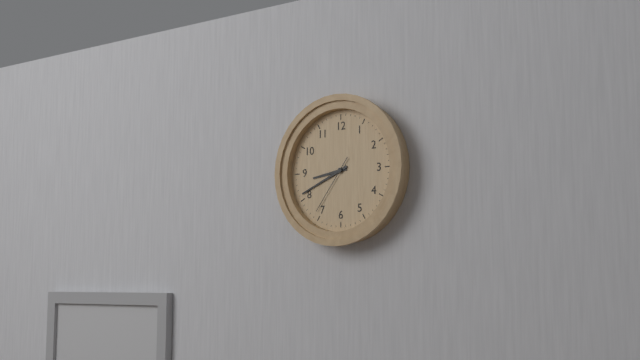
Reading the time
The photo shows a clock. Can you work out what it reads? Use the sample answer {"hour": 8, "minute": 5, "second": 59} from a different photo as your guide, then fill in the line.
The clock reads {"hour": 8, "minute": 41, "second": 36}
